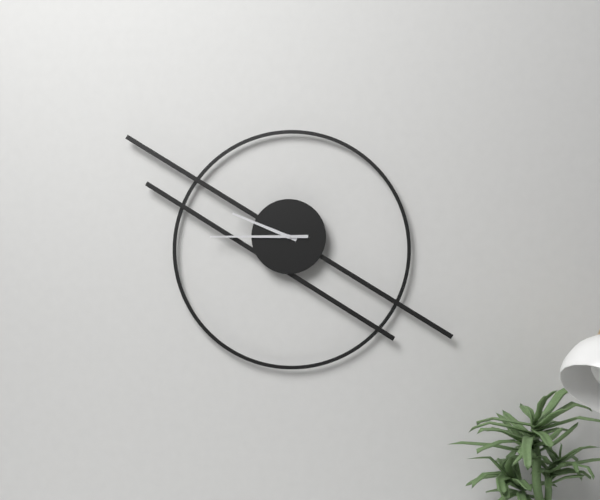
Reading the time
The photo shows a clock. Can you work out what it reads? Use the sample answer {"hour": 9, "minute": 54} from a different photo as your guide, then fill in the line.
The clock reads {"hour": 9, "minute": 45}
